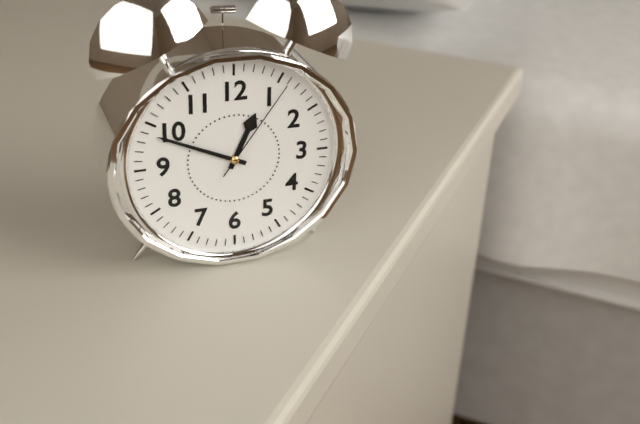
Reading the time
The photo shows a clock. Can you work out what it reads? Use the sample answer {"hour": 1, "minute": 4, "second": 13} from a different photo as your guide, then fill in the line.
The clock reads {"hour": 12, "minute": 49, "second": 6}
